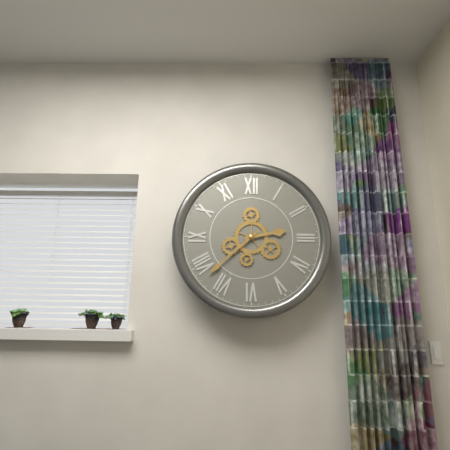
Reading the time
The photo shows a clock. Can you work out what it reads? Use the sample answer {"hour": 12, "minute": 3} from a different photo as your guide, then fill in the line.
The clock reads {"hour": 2, "minute": 38}
